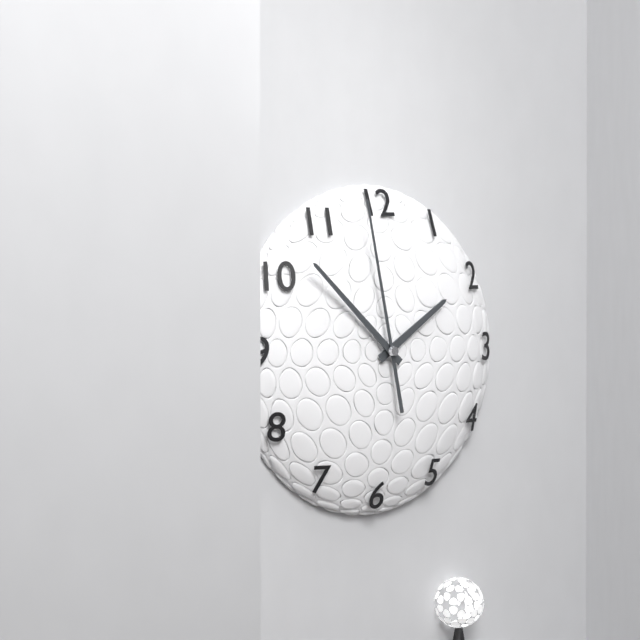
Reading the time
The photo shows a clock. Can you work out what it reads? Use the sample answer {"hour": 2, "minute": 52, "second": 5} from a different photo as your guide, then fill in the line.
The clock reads {"hour": 1, "minute": 52, "second": 58}
